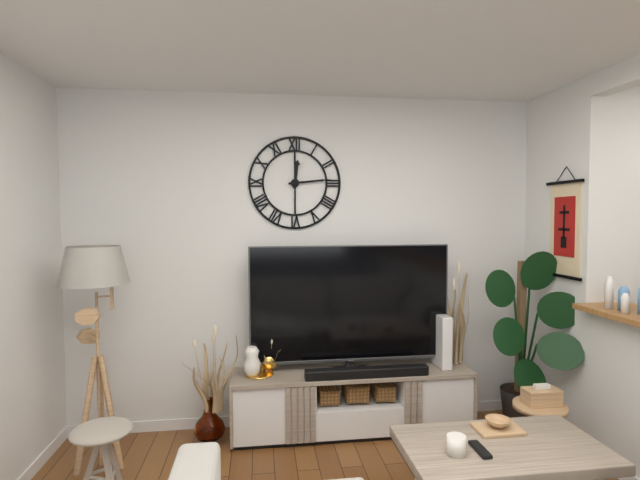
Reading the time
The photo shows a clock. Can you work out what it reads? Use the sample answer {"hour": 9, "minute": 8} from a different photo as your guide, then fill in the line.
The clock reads {"hour": 12, "minute": 14}
